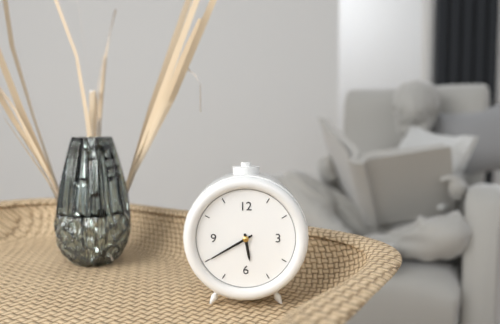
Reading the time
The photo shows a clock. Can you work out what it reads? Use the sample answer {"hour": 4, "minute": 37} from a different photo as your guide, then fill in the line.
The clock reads {"hour": 5, "minute": 40}
